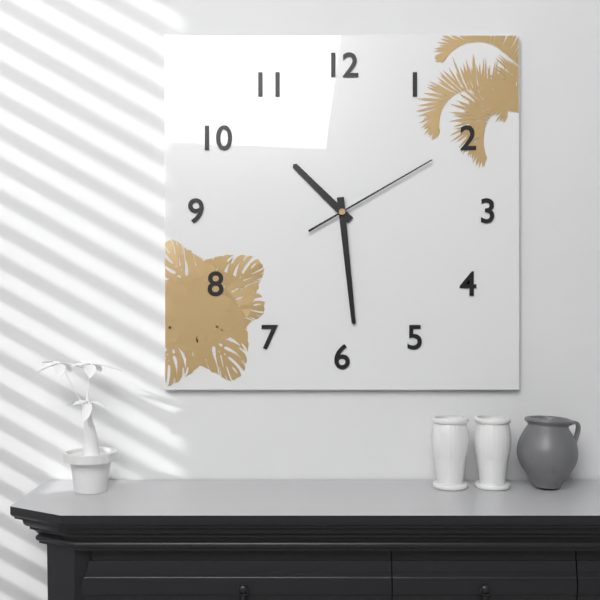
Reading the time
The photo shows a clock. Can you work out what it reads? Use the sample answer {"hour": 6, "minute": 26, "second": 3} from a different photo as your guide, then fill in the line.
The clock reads {"hour": 10, "minute": 29, "second": 10}
